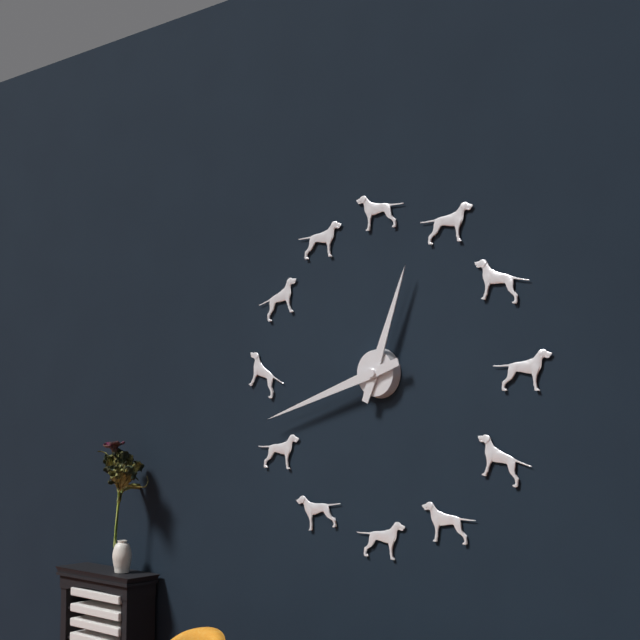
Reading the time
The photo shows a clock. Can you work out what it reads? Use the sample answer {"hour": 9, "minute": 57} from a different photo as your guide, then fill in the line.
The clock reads {"hour": 12, "minute": 42}
